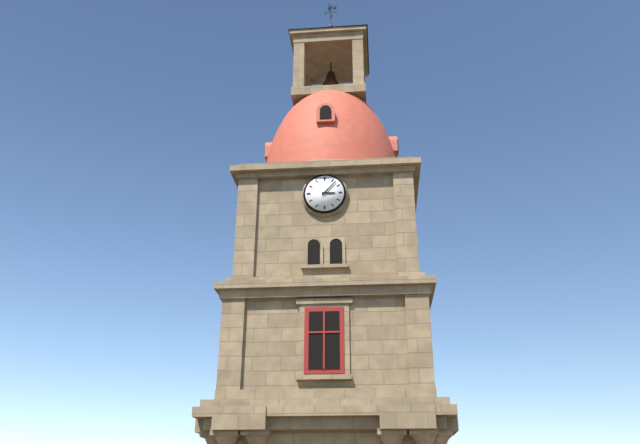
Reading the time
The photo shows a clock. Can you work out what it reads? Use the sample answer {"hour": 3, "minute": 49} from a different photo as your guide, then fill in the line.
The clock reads {"hour": 3, "minute": 7}
